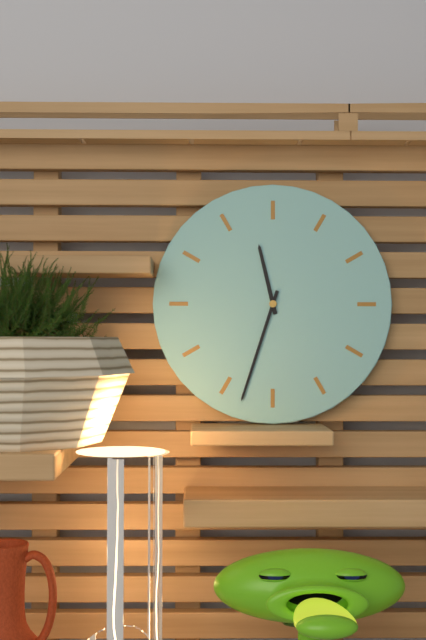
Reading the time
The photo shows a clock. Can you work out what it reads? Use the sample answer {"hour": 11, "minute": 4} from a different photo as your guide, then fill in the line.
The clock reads {"hour": 11, "minute": 33}
